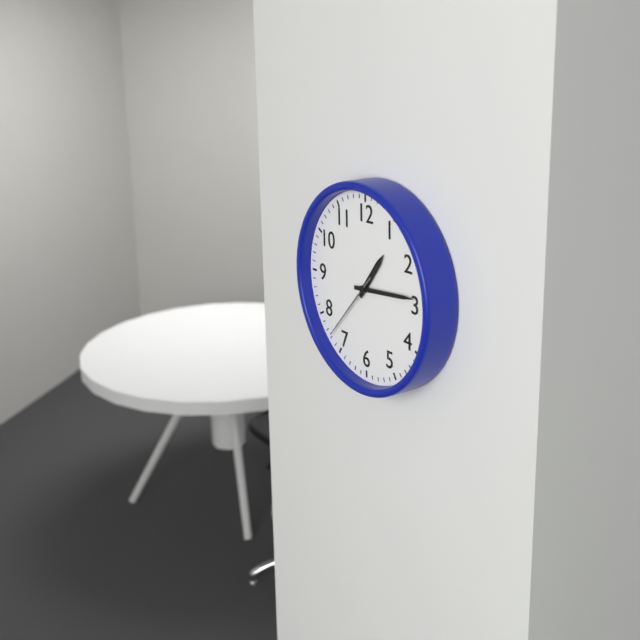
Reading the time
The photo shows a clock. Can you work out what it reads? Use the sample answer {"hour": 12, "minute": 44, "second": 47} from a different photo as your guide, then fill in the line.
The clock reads {"hour": 1, "minute": 14, "second": 37}
